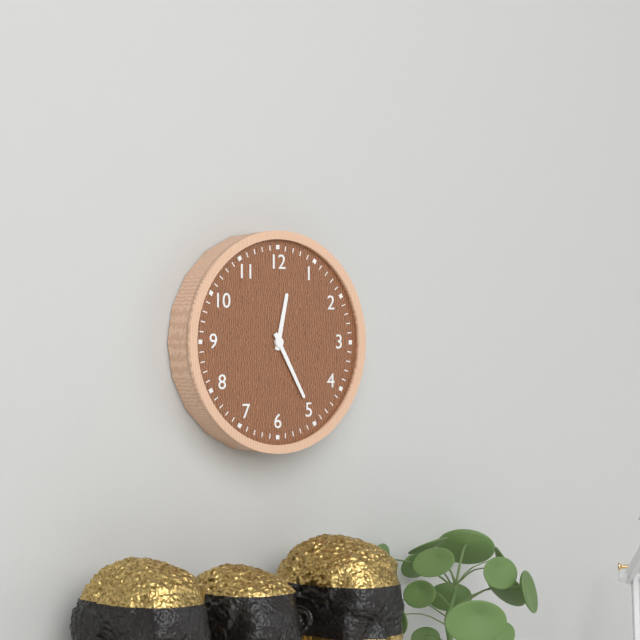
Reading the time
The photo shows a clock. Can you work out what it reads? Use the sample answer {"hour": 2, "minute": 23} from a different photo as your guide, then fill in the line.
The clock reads {"hour": 12, "minute": 25}
